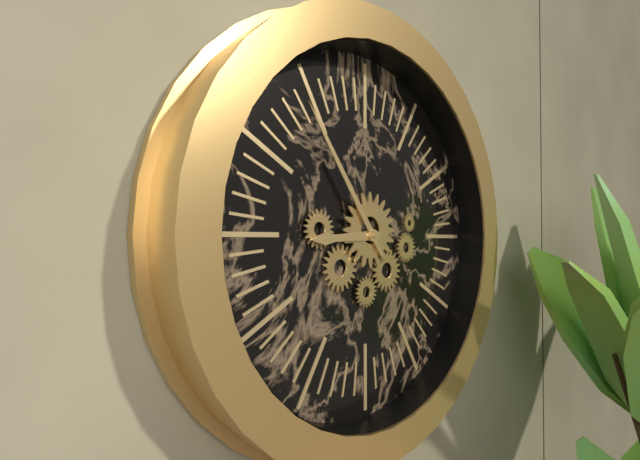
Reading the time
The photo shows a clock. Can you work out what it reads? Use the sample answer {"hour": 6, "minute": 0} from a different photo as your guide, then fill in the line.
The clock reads {"hour": 8, "minute": 54}
